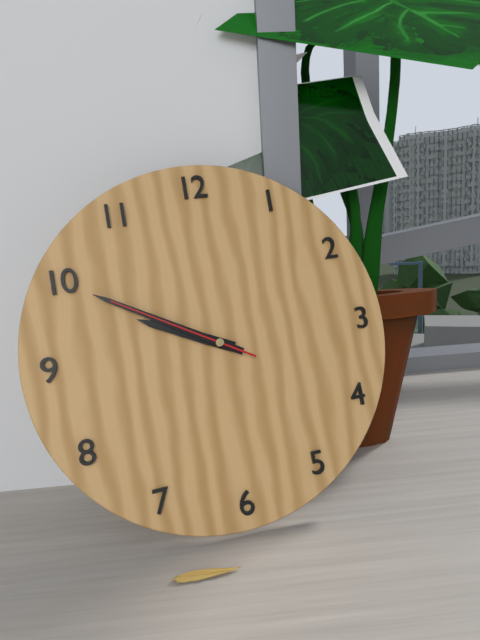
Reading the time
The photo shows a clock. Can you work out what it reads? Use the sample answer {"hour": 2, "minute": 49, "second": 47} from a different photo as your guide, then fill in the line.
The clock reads {"hour": 9, "minute": 50, "second": 50}
